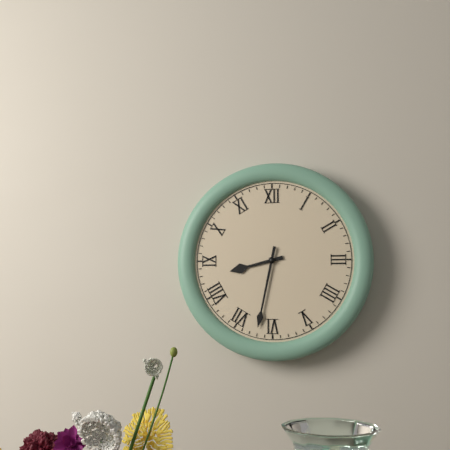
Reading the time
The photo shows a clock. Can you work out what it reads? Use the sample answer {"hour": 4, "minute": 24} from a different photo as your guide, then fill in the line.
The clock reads {"hour": 8, "minute": 32}
